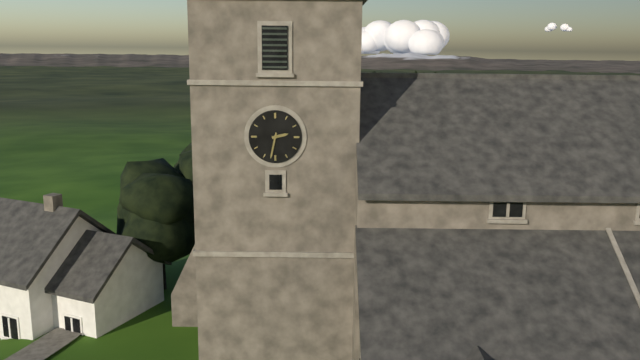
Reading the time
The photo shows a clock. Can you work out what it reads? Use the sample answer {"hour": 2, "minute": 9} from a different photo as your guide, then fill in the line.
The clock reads {"hour": 2, "minute": 32}
